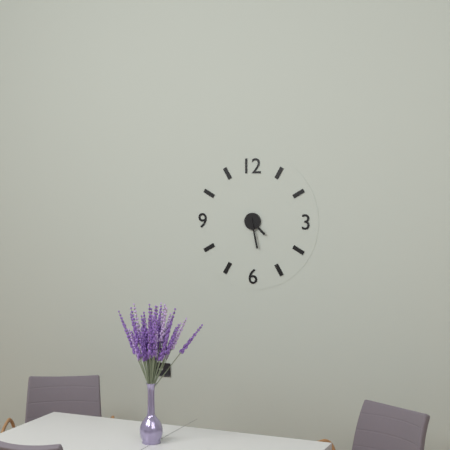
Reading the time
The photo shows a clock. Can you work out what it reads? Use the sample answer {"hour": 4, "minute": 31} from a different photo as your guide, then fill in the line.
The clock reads {"hour": 4, "minute": 28}
